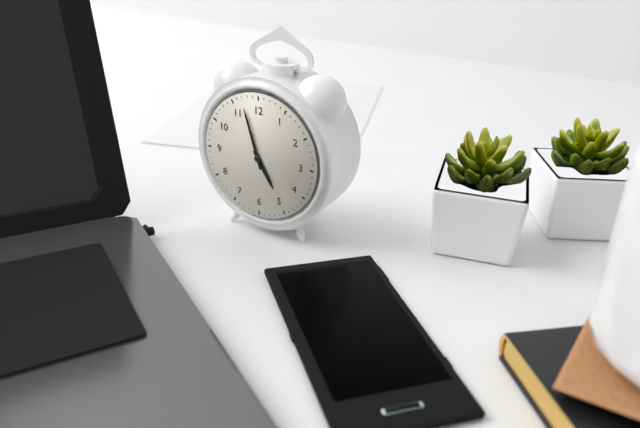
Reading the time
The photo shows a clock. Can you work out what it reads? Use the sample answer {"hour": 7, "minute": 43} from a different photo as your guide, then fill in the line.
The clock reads {"hour": 4, "minute": 57}
